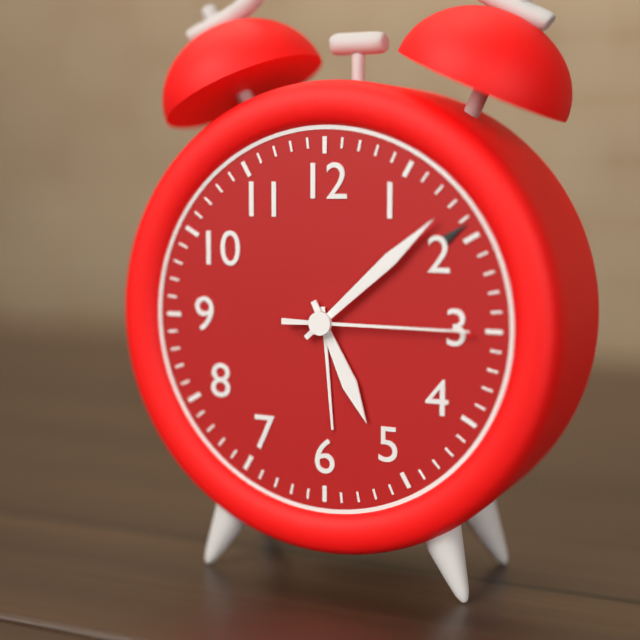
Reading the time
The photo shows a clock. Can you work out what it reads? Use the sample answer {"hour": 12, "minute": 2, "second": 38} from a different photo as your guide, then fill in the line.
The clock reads {"hour": 5, "minute": 8, "second": 15}
